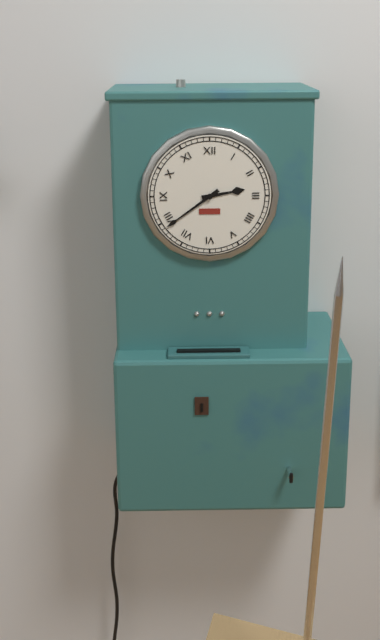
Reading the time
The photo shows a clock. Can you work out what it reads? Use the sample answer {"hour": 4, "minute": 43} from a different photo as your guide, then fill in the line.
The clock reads {"hour": 2, "minute": 39}
